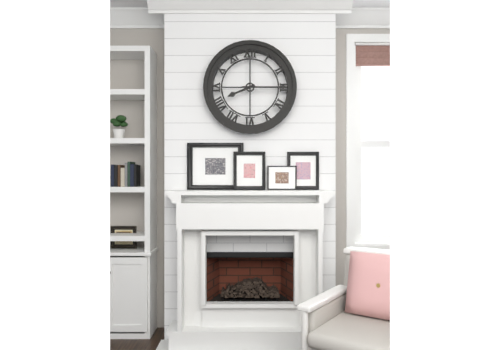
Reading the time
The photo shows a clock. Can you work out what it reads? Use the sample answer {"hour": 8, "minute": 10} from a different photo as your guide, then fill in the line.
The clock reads {"hour": 8, "minute": 15}
